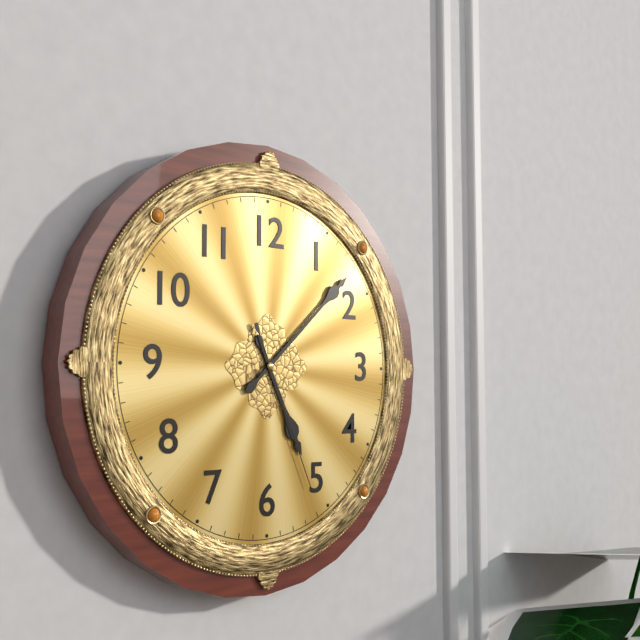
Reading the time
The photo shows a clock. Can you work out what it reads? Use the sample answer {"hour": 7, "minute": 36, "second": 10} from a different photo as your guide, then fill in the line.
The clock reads {"hour": 5, "minute": 8, "second": 26}
